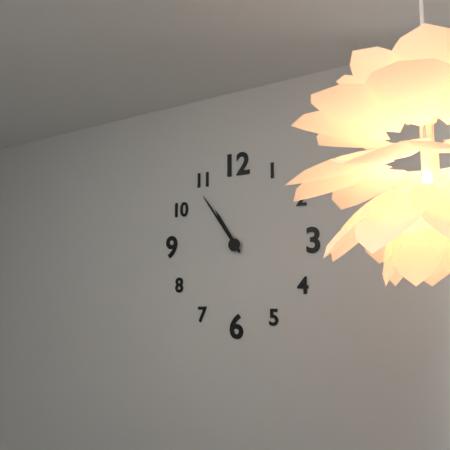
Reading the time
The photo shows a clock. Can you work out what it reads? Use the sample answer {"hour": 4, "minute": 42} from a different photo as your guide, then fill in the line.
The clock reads {"hour": 10, "minute": 54}
